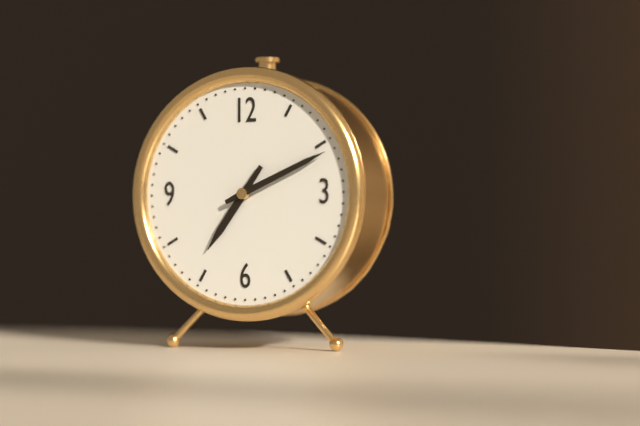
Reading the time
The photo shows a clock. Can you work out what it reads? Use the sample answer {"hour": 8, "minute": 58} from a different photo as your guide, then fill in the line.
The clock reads {"hour": 7, "minute": 11}
